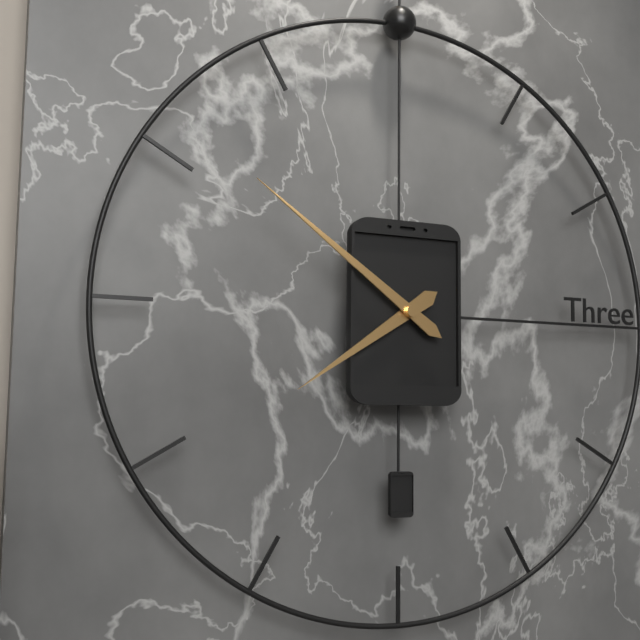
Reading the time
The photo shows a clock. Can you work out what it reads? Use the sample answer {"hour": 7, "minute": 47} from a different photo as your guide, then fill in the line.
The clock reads {"hour": 7, "minute": 51}
